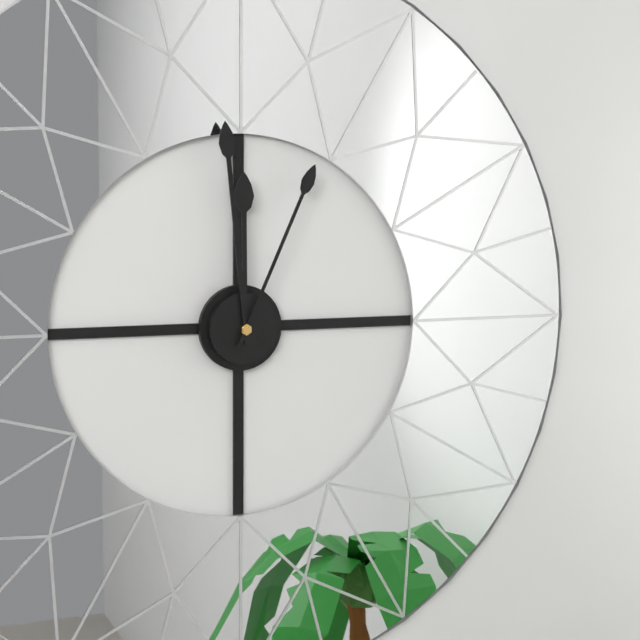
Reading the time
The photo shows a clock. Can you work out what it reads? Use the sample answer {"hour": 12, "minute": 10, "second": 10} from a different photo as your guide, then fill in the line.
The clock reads {"hour": 11, "minute": 59, "second": 4}
